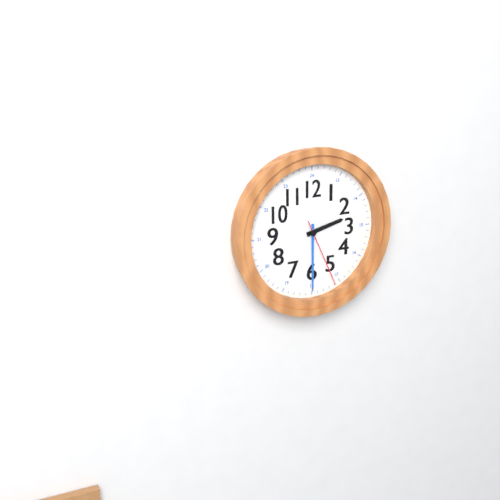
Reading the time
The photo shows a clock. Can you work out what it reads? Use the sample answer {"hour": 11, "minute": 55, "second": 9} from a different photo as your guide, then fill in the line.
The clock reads {"hour": 2, "minute": 30, "second": 26}
